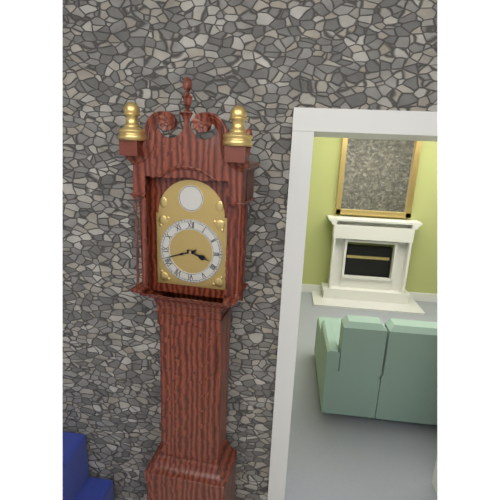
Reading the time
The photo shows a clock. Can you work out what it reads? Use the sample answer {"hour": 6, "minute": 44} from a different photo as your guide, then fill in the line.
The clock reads {"hour": 3, "minute": 42}
